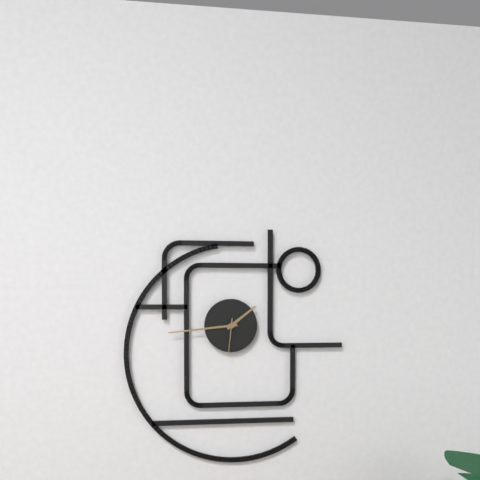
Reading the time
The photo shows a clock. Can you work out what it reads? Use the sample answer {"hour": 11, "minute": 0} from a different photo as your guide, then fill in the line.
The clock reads {"hour": 1, "minute": 44}
